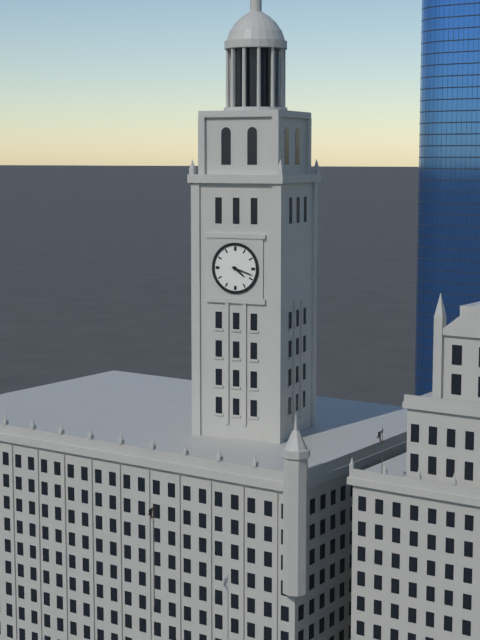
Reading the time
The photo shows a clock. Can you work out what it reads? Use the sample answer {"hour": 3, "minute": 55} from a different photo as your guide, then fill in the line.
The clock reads {"hour": 4, "minute": 18}
